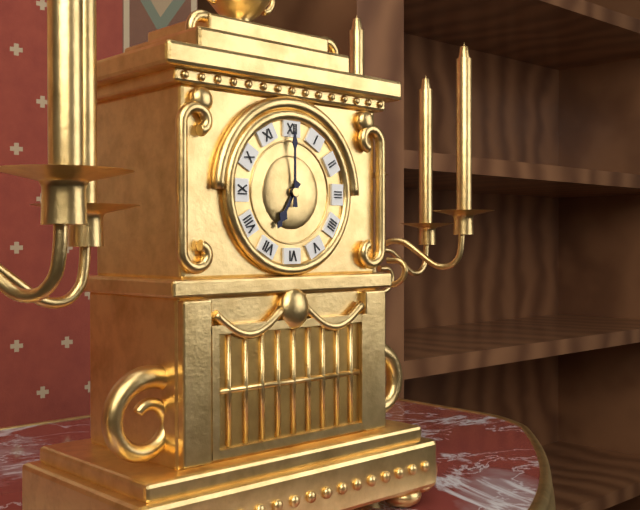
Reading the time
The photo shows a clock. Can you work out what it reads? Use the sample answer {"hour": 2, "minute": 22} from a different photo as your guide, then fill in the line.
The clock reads {"hour": 7, "minute": 0}
